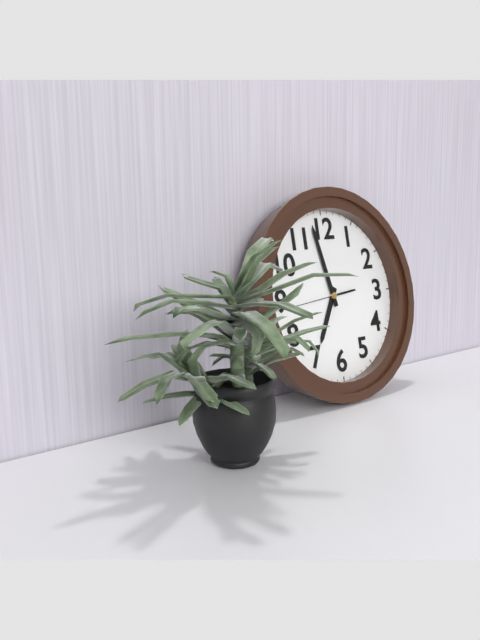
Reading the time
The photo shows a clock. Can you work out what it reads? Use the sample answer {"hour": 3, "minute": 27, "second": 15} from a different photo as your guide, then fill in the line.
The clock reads {"hour": 6, "minute": 58, "second": 44}
